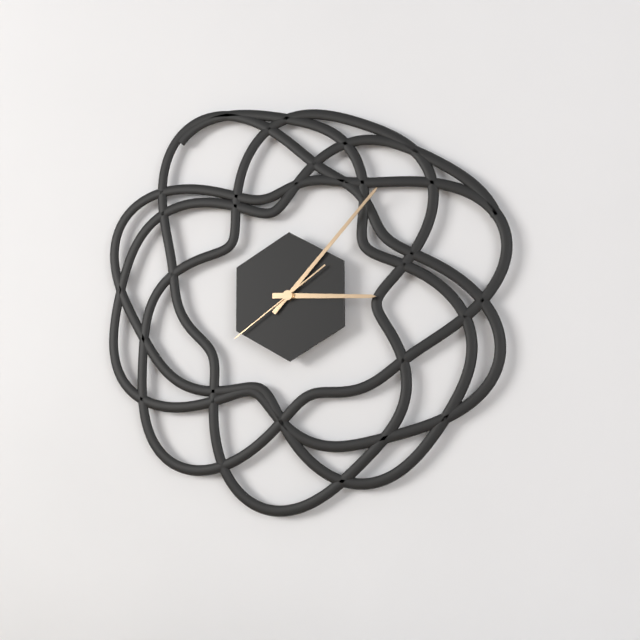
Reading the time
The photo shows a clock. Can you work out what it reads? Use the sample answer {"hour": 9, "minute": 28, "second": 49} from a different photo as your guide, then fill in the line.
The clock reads {"hour": 3, "minute": 7, "second": 39}
